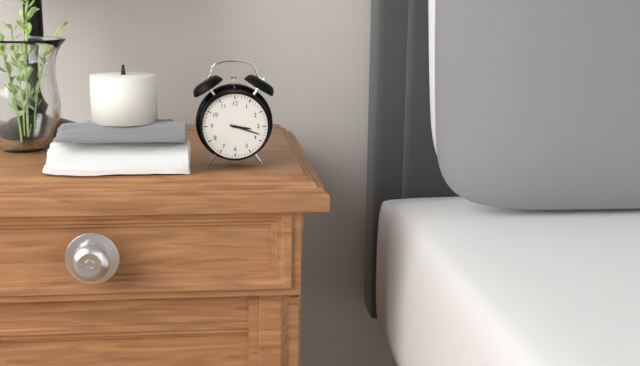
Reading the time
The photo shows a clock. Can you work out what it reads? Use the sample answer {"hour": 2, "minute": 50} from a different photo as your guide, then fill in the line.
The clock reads {"hour": 3, "minute": 18}
